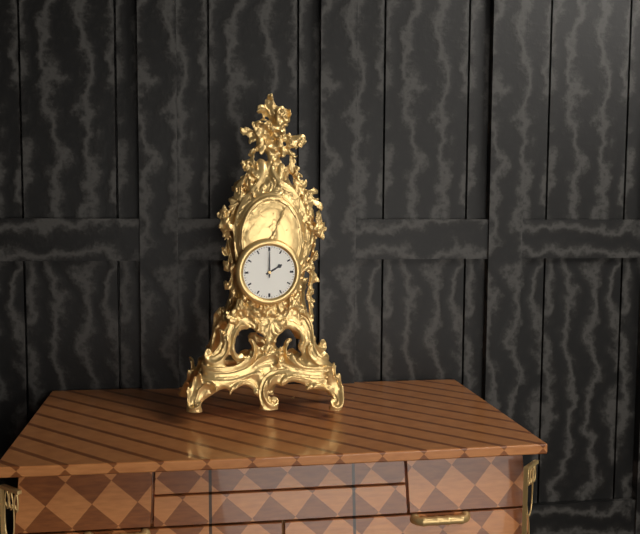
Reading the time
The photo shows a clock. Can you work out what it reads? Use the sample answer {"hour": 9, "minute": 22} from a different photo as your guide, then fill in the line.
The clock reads {"hour": 2, "minute": 0}
